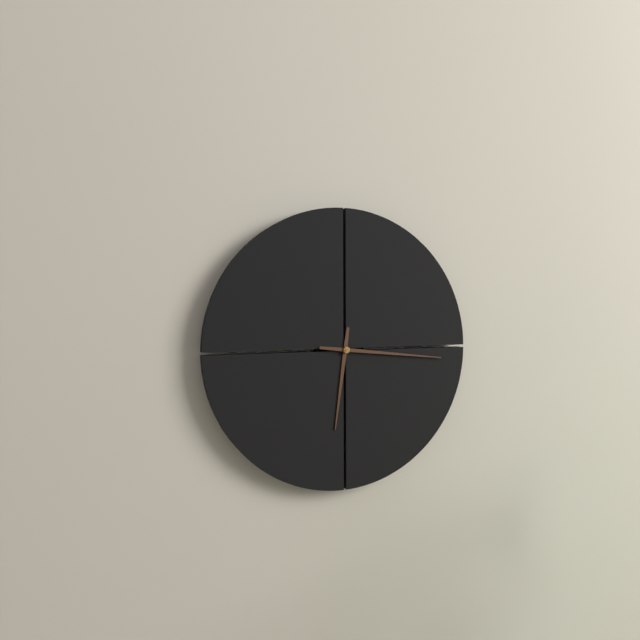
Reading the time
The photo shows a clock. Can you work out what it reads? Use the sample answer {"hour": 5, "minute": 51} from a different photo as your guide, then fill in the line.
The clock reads {"hour": 6, "minute": 16}
